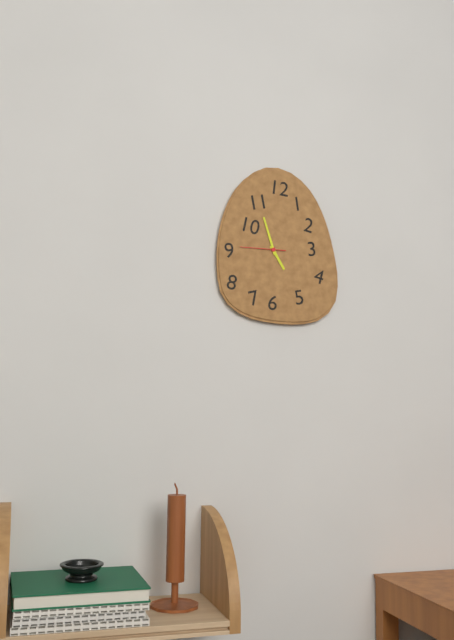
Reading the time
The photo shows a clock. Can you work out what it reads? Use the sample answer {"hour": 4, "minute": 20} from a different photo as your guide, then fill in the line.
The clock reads {"hour": 4, "minute": 57}
